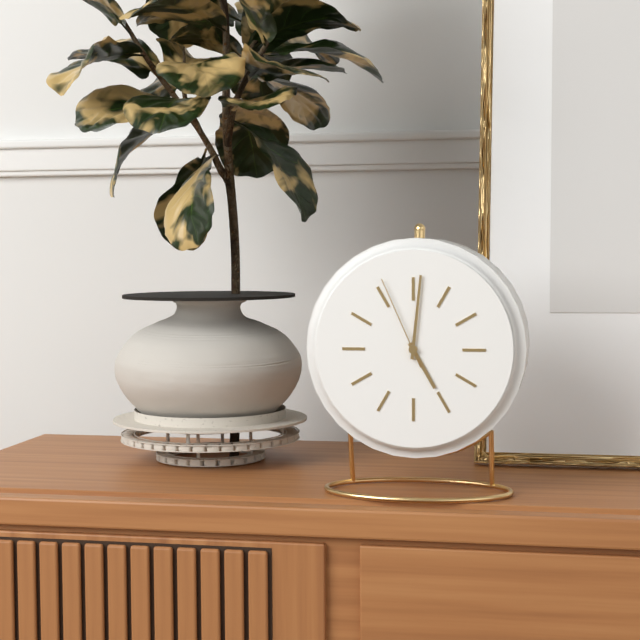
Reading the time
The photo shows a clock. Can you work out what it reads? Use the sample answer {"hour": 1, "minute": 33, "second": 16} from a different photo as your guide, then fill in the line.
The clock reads {"hour": 5, "minute": 1, "second": 56}
